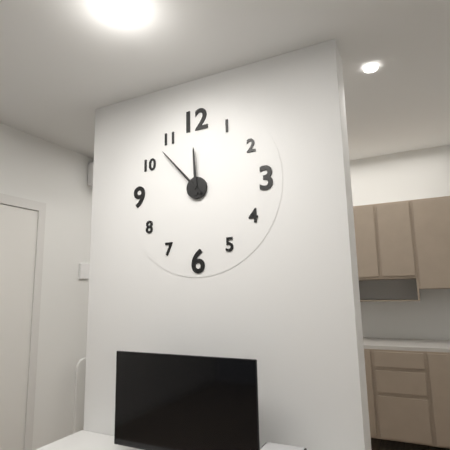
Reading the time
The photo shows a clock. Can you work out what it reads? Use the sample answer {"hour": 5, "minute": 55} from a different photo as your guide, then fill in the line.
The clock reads {"hour": 11, "minute": 53}
